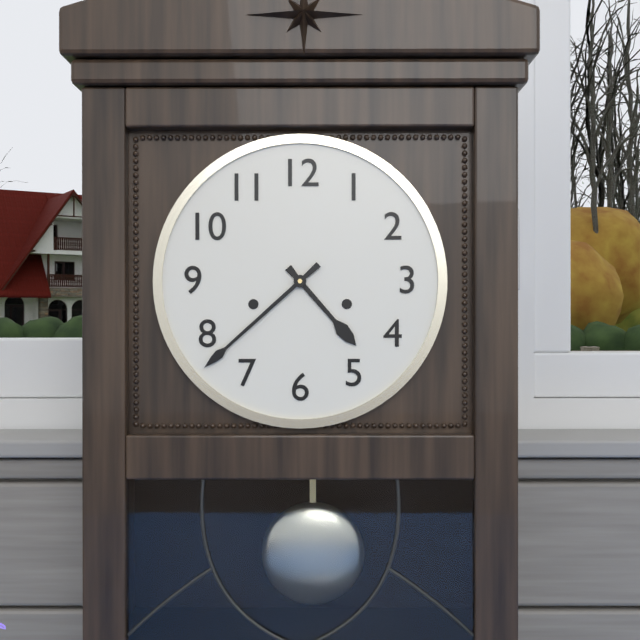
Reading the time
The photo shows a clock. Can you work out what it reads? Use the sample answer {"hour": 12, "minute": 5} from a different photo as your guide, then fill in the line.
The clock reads {"hour": 4, "minute": 38}
